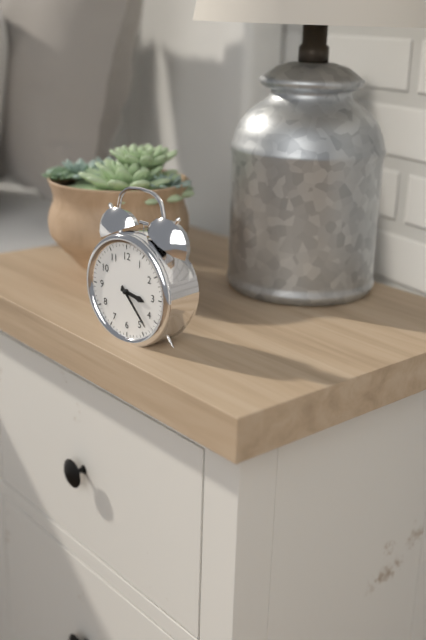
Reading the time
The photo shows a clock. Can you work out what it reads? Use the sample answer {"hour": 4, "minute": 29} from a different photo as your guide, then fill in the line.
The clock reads {"hour": 3, "minute": 23}
